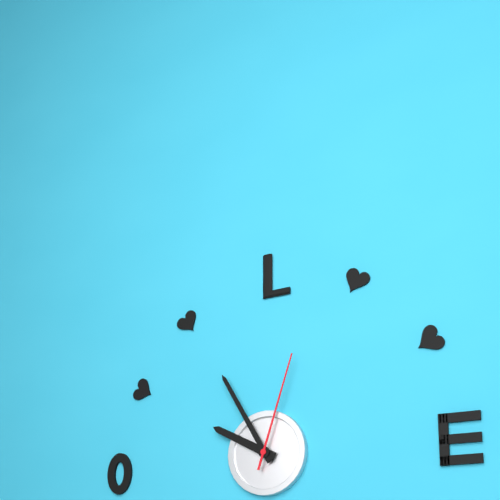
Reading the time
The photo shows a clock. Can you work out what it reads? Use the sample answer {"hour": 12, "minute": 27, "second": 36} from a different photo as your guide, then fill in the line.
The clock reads {"hour": 9, "minute": 55, "second": 3}
